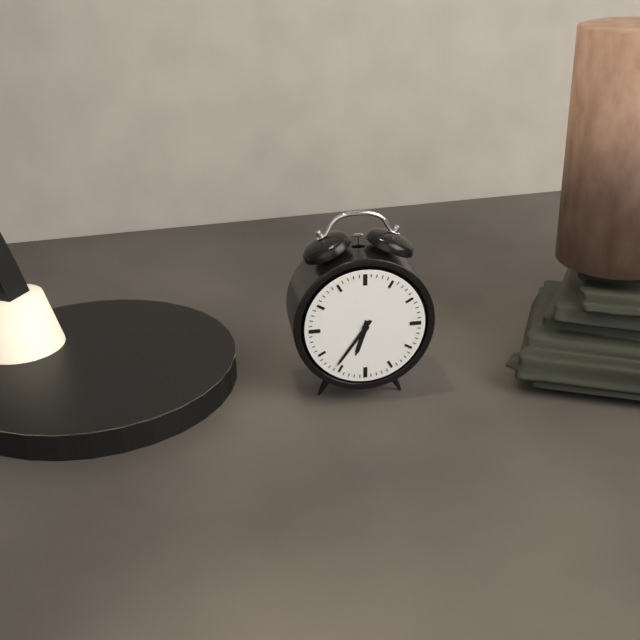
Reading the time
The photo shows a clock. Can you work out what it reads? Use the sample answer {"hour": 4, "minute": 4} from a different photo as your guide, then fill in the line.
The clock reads {"hour": 6, "minute": 36}
